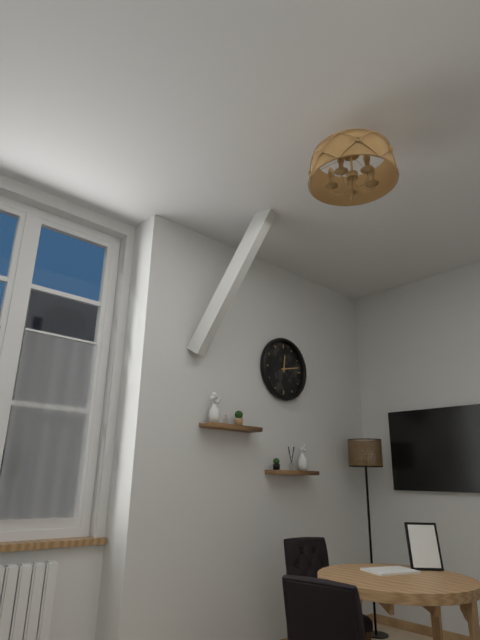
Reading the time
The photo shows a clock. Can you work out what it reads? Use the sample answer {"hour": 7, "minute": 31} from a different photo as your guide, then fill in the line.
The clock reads {"hour": 12, "minute": 13}
